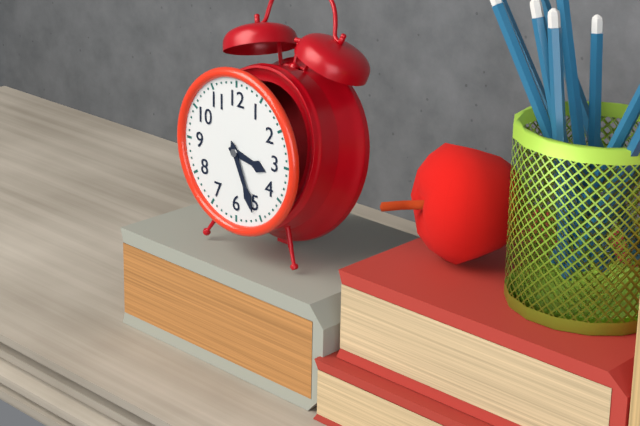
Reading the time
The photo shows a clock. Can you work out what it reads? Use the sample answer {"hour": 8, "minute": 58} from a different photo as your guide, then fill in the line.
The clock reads {"hour": 3, "minute": 26}
